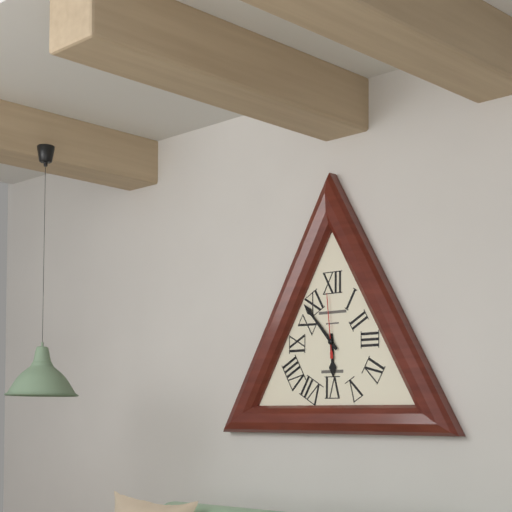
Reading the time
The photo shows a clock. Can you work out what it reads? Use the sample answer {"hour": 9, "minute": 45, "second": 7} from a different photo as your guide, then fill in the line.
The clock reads {"hour": 5, "minute": 53, "second": 59}
